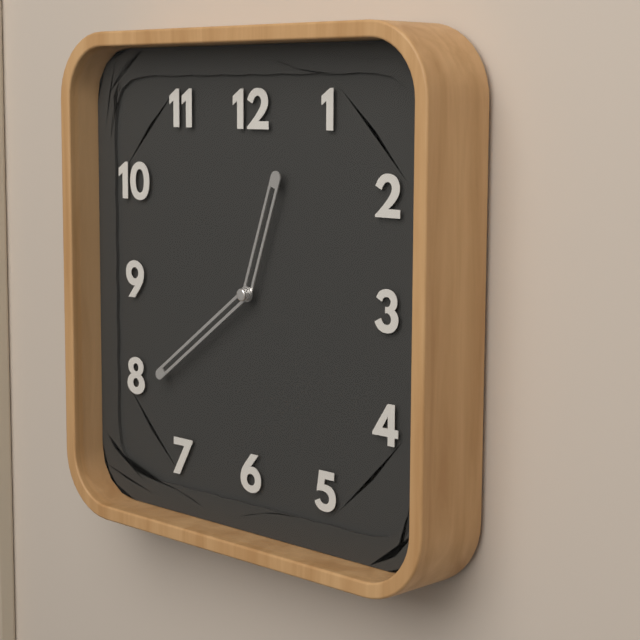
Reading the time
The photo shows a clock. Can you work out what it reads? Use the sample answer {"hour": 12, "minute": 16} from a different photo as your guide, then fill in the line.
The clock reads {"hour": 12, "minute": 39}
